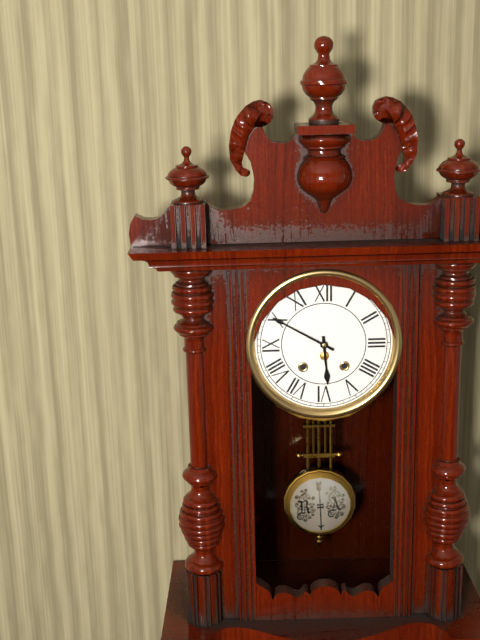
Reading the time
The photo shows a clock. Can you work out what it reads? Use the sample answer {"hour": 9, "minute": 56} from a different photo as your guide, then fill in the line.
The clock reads {"hour": 5, "minute": 50}
